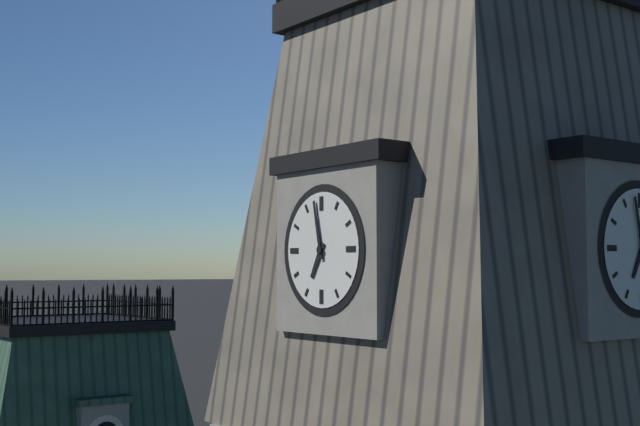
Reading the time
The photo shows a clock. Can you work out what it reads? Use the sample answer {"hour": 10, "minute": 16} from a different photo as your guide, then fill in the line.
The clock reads {"hour": 6, "minute": 58}
